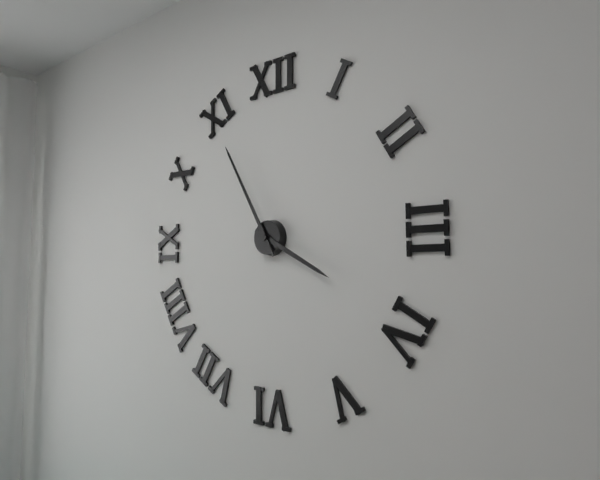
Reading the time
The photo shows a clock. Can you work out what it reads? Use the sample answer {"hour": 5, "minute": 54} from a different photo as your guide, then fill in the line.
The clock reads {"hour": 3, "minute": 55}
